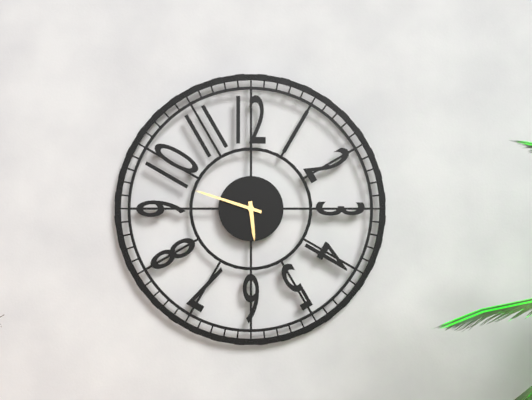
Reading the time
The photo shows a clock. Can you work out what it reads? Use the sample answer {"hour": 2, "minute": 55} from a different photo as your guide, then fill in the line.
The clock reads {"hour": 5, "minute": 48}
